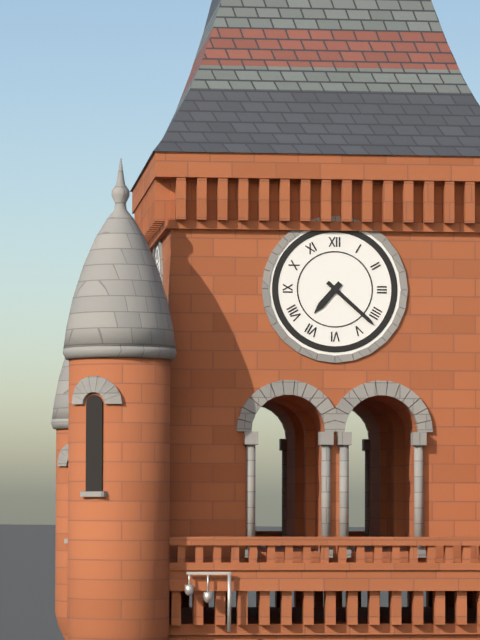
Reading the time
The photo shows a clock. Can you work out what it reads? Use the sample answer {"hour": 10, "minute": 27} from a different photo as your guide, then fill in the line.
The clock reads {"hour": 7, "minute": 22}
